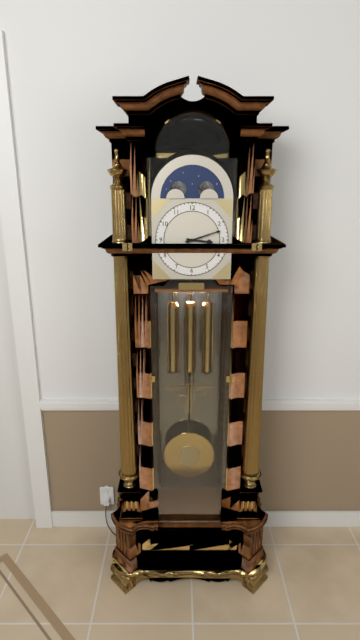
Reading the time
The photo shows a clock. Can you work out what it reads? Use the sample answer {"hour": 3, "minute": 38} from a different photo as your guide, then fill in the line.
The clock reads {"hour": 3, "minute": 12}
